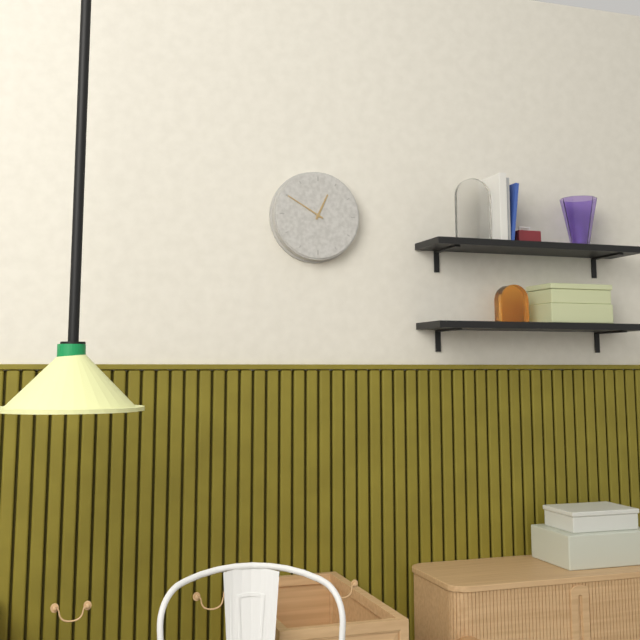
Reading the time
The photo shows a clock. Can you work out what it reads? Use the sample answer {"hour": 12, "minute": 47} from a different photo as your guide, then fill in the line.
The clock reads {"hour": 12, "minute": 50}
